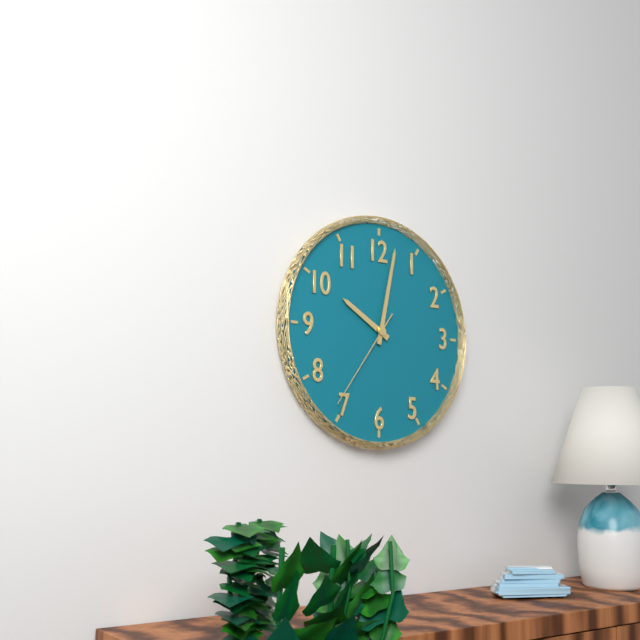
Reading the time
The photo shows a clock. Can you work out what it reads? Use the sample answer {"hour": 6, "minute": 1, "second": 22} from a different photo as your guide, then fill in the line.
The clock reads {"hour": 10, "minute": 2, "second": 36}
